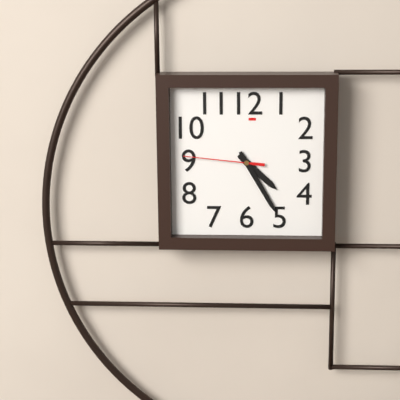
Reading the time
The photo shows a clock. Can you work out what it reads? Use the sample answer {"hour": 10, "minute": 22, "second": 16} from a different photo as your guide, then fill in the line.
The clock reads {"hour": 4, "minute": 25, "second": 46}
